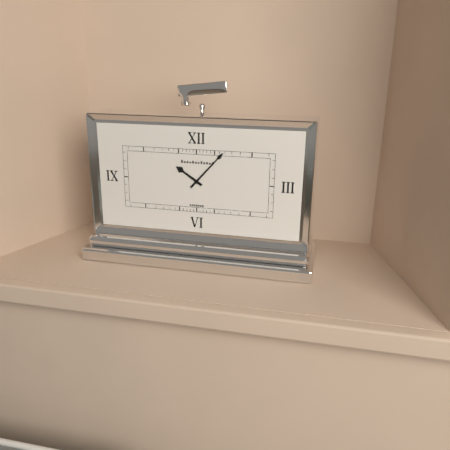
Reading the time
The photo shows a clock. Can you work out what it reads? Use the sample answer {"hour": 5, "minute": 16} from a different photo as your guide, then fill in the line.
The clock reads {"hour": 10, "minute": 7}
